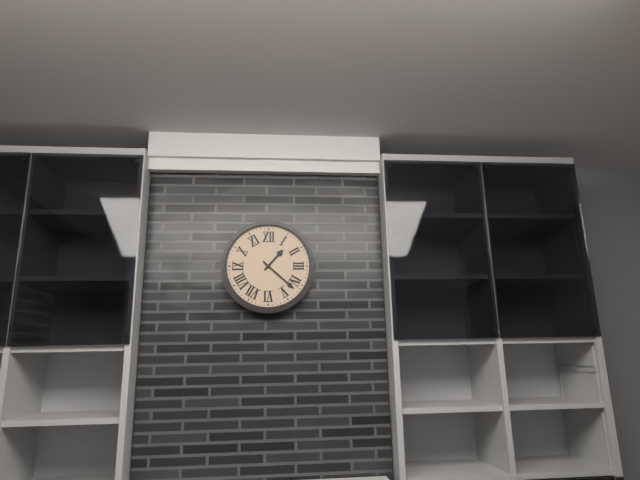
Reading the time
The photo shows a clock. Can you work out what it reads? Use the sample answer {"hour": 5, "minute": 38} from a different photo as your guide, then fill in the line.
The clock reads {"hour": 1, "minute": 22}
